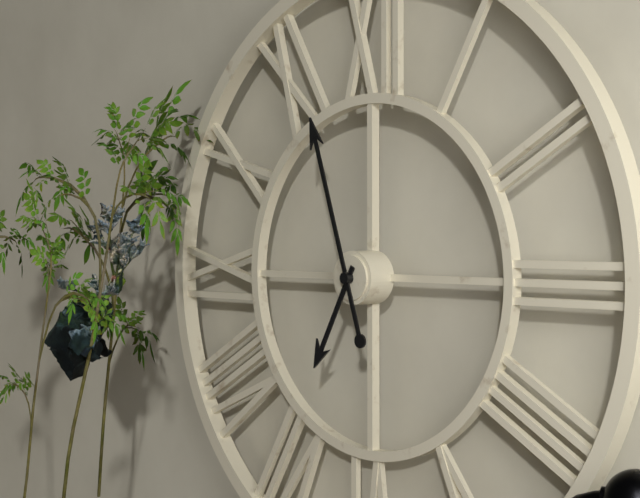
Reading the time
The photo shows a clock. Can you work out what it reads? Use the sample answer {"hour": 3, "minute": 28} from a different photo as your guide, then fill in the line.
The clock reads {"hour": 6, "minute": 57}
